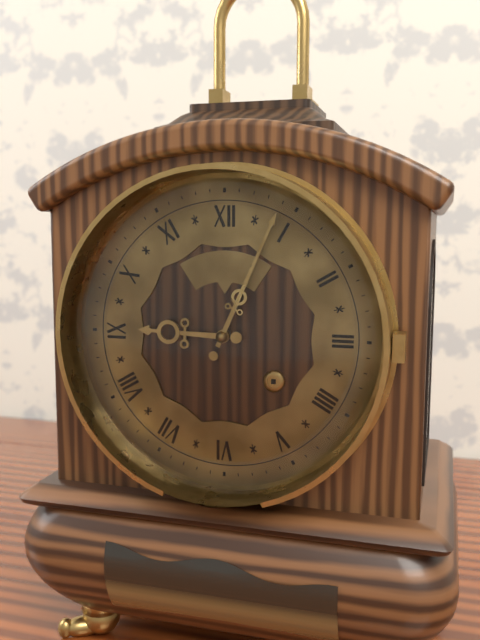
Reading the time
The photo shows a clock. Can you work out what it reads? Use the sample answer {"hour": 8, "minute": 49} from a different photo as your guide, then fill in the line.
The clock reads {"hour": 9, "minute": 4}
